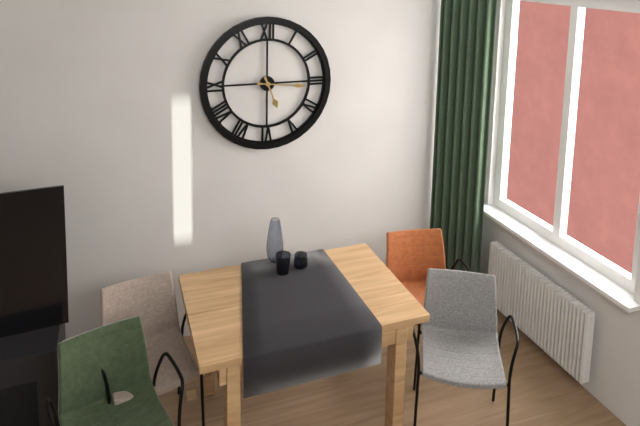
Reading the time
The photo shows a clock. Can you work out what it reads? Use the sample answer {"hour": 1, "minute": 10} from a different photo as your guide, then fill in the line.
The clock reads {"hour": 5, "minute": 16}
